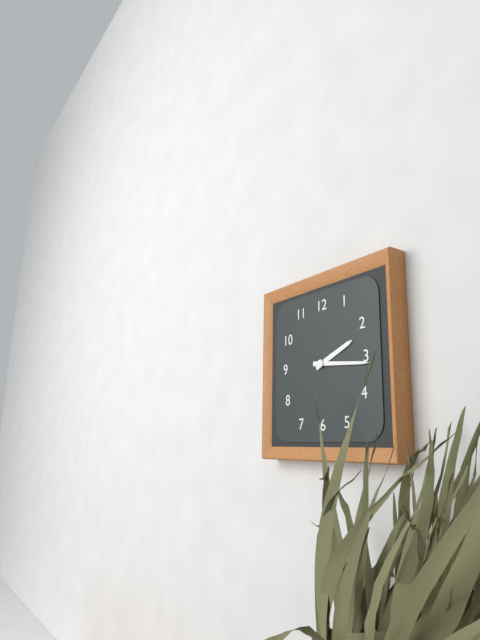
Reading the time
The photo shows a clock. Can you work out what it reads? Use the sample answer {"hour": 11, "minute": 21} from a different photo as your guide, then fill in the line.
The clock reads {"hour": 2, "minute": 16}
